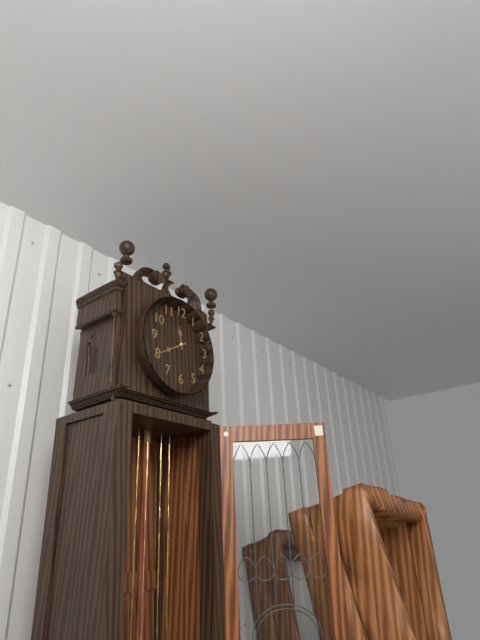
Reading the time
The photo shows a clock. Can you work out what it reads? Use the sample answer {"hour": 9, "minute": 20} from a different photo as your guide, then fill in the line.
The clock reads {"hour": 11, "minute": 40}
